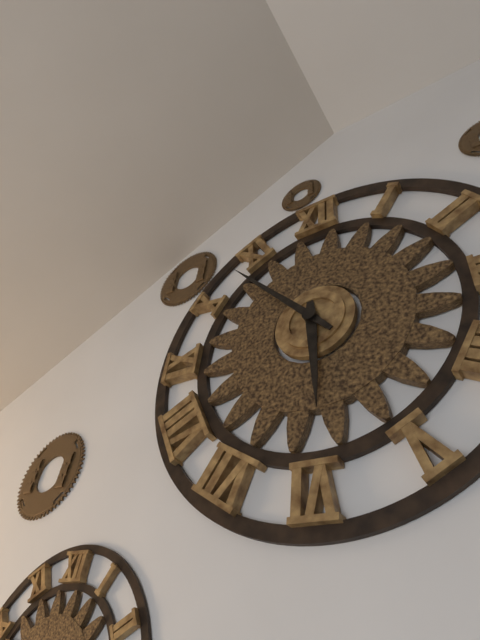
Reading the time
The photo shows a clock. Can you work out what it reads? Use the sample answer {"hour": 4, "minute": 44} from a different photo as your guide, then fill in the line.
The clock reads {"hour": 5, "minute": 53}
